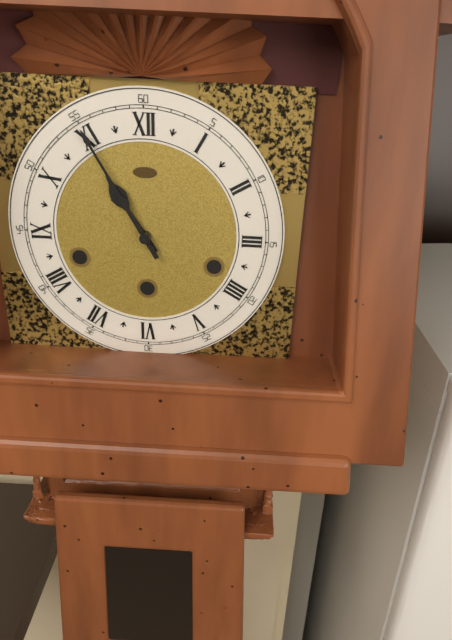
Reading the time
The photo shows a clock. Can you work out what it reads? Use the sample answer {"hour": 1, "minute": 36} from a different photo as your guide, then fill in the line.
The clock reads {"hour": 10, "minute": 55}
